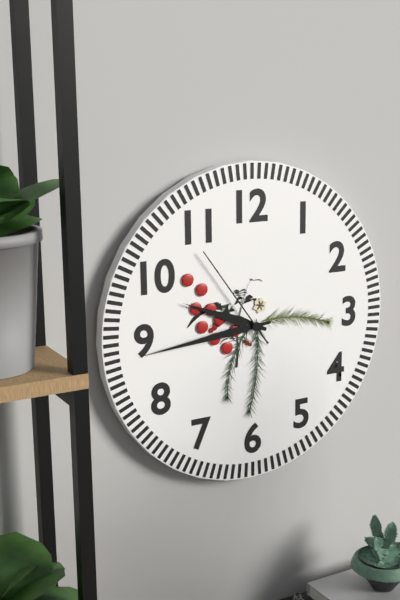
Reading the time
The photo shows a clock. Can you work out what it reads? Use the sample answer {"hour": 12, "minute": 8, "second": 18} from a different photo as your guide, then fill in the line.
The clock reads {"hour": 9, "minute": 44, "second": 54}
